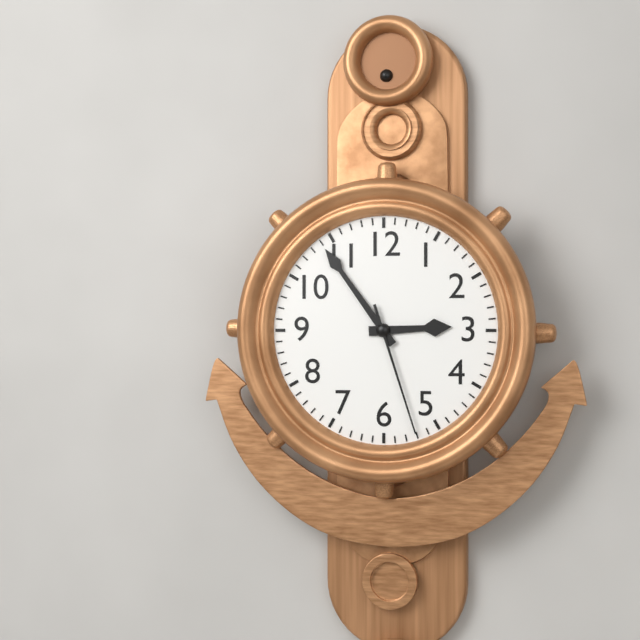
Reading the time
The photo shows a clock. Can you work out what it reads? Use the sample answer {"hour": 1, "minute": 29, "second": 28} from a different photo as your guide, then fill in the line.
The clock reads {"hour": 2, "minute": 54, "second": 27}
